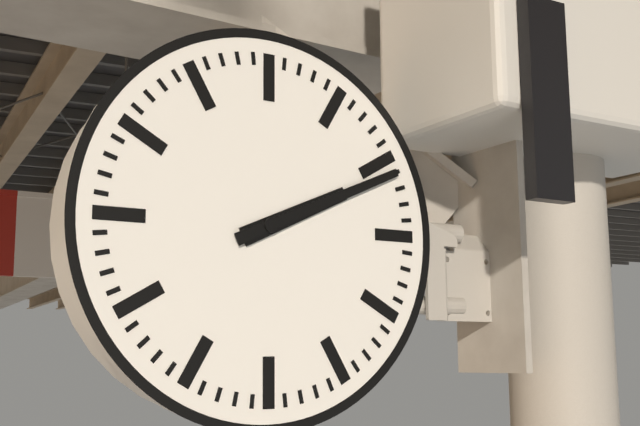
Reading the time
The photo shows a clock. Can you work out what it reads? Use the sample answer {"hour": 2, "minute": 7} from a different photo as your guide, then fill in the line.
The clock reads {"hour": 2, "minute": 11}
